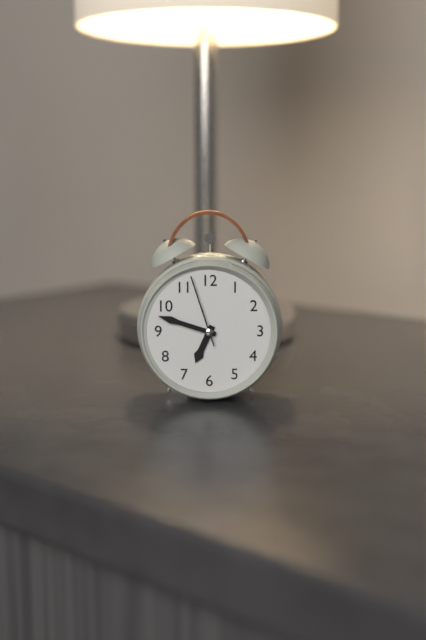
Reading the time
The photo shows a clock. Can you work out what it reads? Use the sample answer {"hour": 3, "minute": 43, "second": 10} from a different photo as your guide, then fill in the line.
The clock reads {"hour": 6, "minute": 48, "second": 57}
